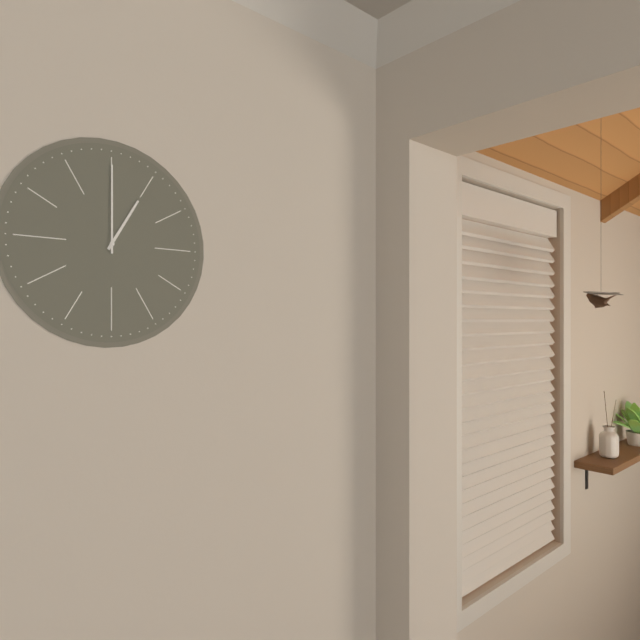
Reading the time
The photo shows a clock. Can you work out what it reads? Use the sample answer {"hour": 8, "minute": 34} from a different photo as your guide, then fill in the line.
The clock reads {"hour": 1, "minute": 0}
